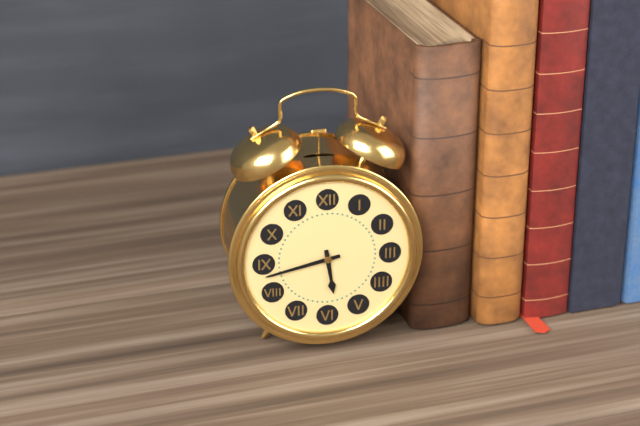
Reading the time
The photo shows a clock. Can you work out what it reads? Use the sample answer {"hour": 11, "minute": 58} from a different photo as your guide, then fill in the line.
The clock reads {"hour": 5, "minute": 43}
